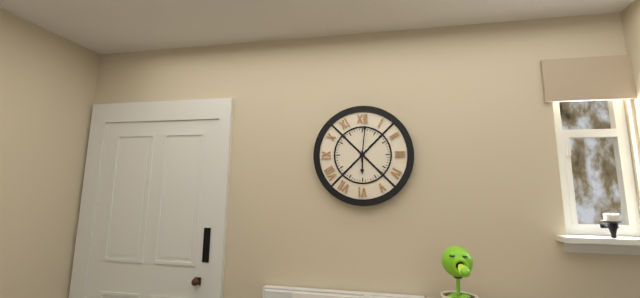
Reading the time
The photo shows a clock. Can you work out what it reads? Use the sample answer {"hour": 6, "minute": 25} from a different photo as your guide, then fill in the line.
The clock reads {"hour": 6, "minute": 1}
